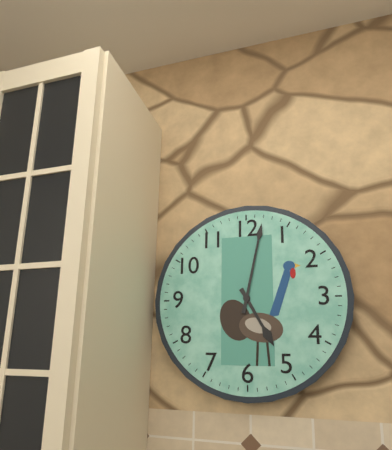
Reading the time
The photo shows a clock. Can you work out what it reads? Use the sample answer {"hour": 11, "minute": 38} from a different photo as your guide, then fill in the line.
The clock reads {"hour": 5, "minute": 2}
